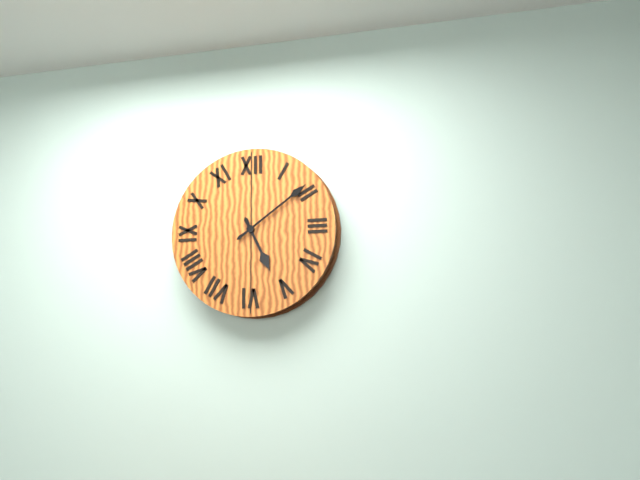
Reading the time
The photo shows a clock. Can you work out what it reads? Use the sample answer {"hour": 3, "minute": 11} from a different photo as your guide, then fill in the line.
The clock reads {"hour": 5, "minute": 9}
